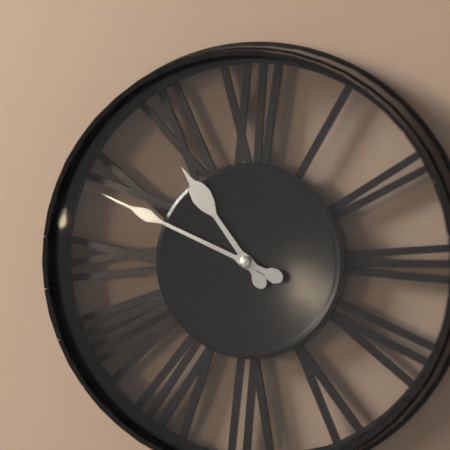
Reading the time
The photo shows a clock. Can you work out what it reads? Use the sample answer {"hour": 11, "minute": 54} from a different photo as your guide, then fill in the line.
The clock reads {"hour": 10, "minute": 49}
